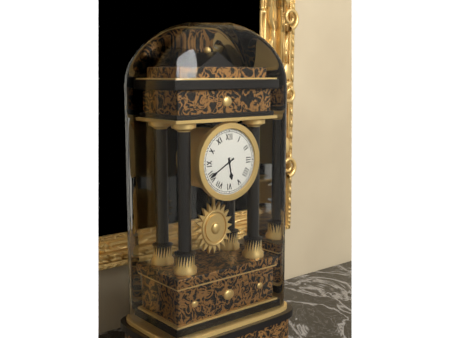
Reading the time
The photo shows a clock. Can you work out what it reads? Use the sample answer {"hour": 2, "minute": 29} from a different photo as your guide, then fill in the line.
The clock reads {"hour": 5, "minute": 40}
